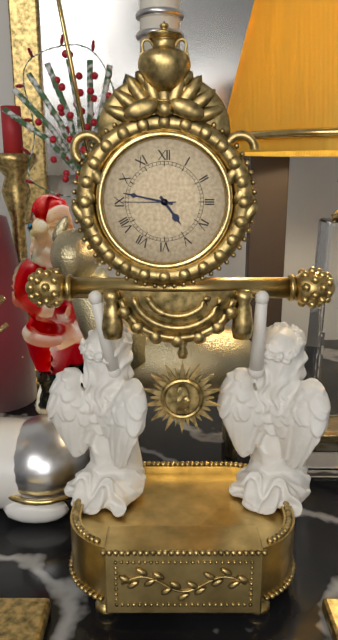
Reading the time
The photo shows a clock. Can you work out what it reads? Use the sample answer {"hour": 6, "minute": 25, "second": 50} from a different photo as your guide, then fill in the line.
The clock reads {"hour": 4, "minute": 47, "second": 45}
